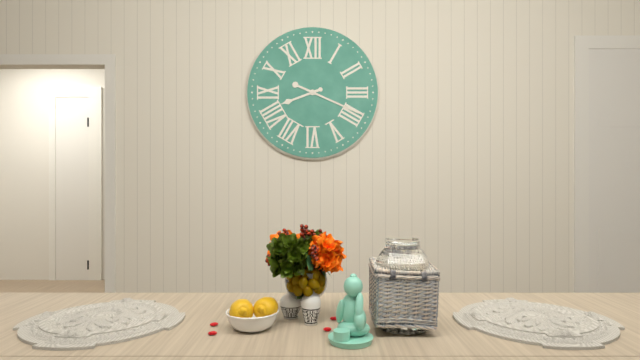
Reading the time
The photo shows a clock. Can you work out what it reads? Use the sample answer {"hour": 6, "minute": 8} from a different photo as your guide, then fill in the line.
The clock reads {"hour": 8, "minute": 19}
